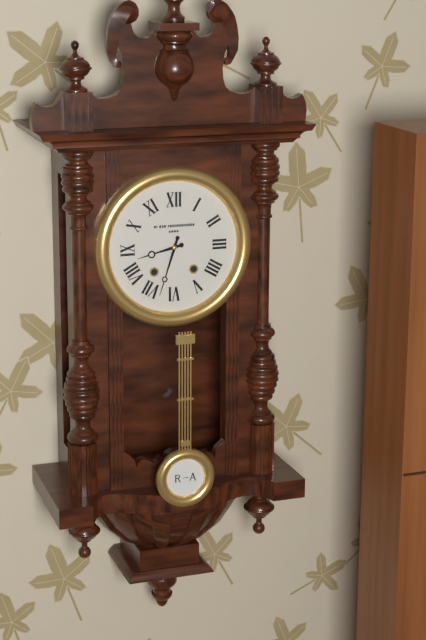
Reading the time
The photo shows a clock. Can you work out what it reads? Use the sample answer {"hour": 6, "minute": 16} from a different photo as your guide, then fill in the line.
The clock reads {"hour": 8, "minute": 33}
